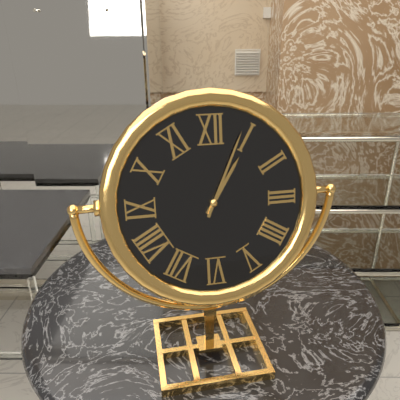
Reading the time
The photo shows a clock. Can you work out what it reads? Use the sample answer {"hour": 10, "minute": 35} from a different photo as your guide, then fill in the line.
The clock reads {"hour": 1, "minute": 4}
